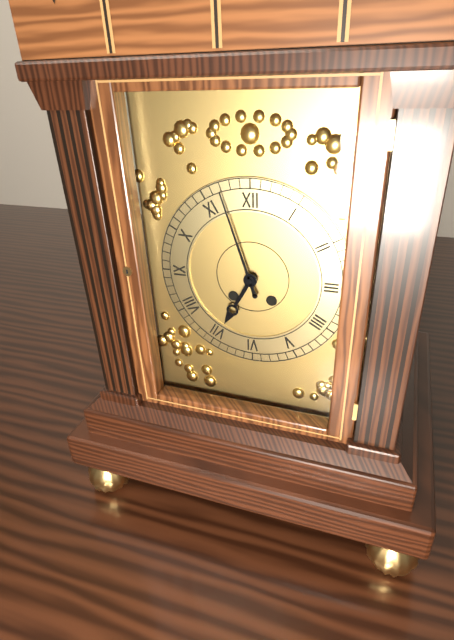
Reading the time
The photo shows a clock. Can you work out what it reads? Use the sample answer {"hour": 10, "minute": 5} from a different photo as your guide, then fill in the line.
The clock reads {"hour": 6, "minute": 57}
